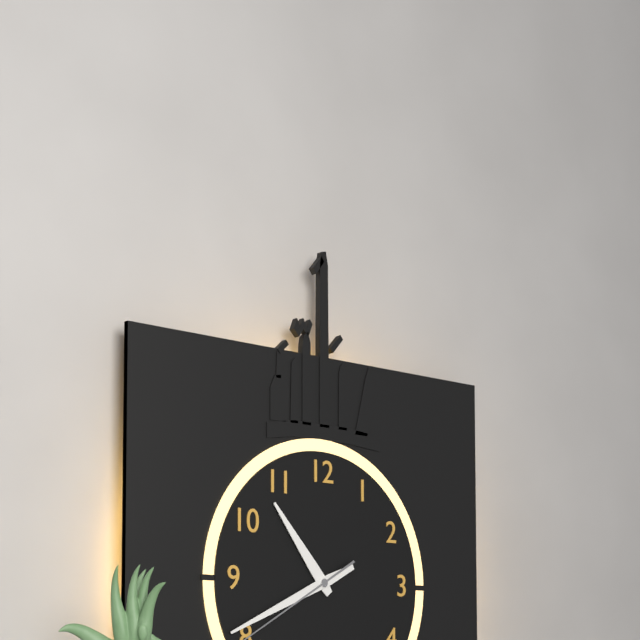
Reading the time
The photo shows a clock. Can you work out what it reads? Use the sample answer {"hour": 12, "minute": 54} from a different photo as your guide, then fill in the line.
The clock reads {"hour": 10, "minute": 41}
